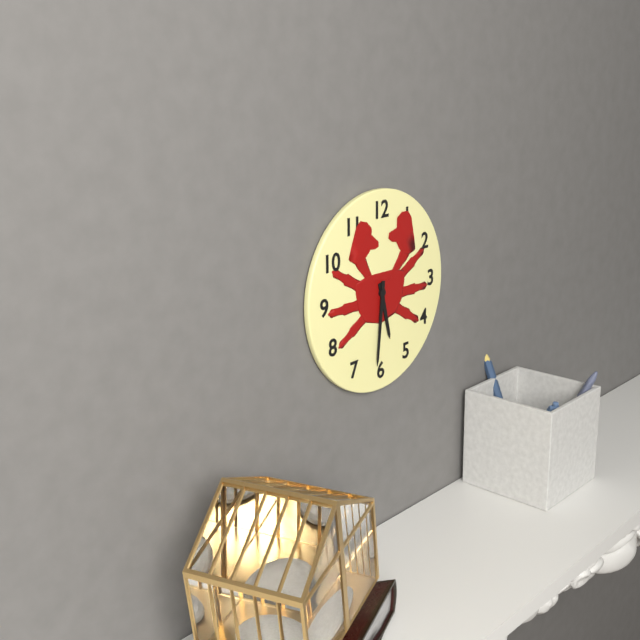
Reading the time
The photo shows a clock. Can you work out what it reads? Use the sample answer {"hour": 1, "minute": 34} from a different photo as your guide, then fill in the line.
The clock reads {"hour": 5, "minute": 31}
